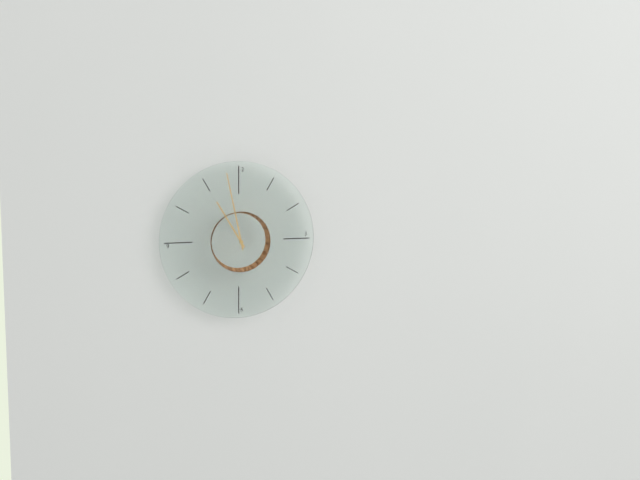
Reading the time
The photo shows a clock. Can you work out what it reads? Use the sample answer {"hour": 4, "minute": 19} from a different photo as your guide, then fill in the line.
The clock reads {"hour": 10, "minute": 58}
